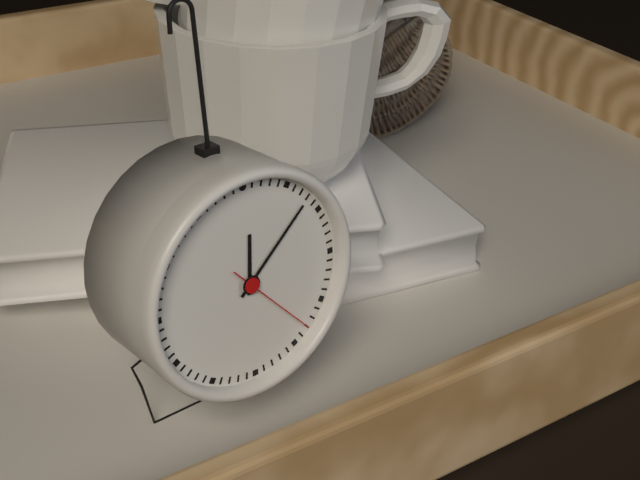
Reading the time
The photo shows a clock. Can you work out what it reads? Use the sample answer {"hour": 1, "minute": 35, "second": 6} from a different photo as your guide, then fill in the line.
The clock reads {"hour": 12, "minute": 8, "second": 23}
